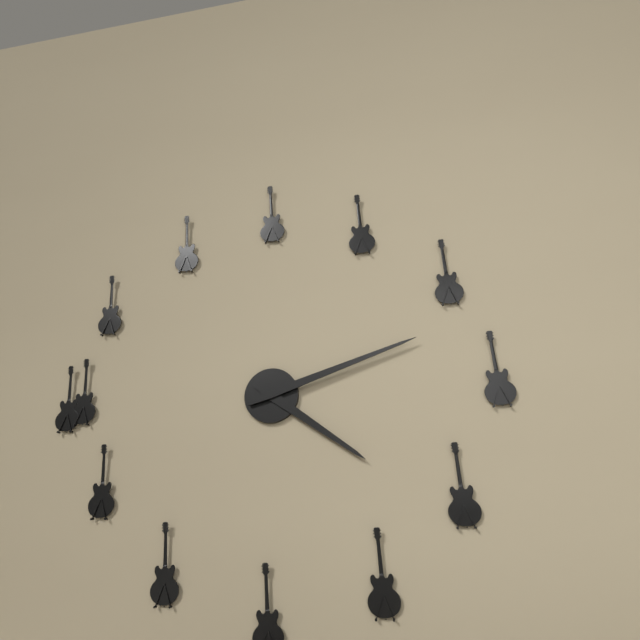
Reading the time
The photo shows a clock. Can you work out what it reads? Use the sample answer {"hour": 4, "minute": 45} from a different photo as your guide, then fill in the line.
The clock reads {"hour": 4, "minute": 12}
